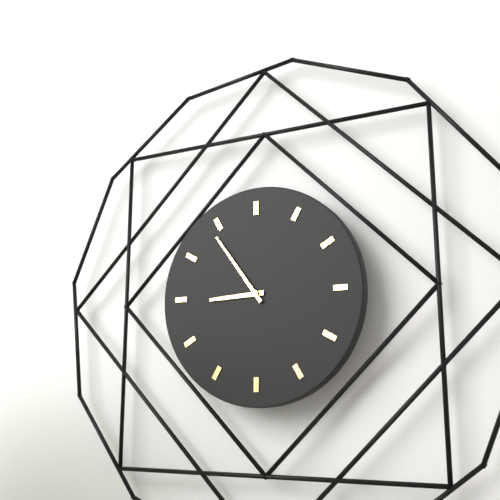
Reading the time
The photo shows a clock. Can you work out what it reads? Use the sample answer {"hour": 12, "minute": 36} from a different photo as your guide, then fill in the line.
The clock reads {"hour": 8, "minute": 54}
